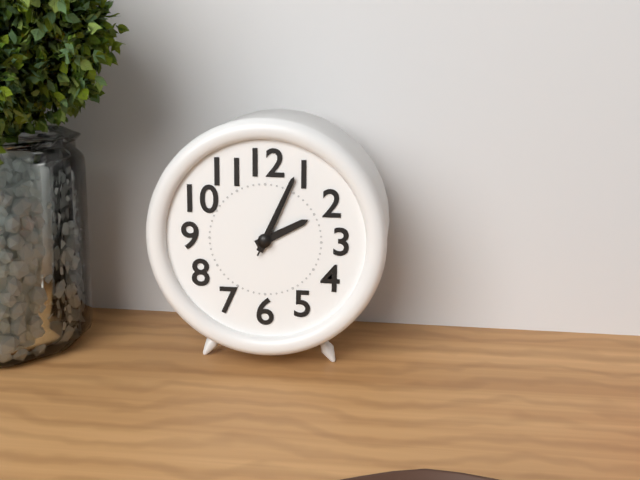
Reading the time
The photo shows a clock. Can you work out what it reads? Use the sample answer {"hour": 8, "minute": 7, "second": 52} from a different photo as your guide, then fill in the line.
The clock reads {"hour": 2, "minute": 4, "second": 4}
